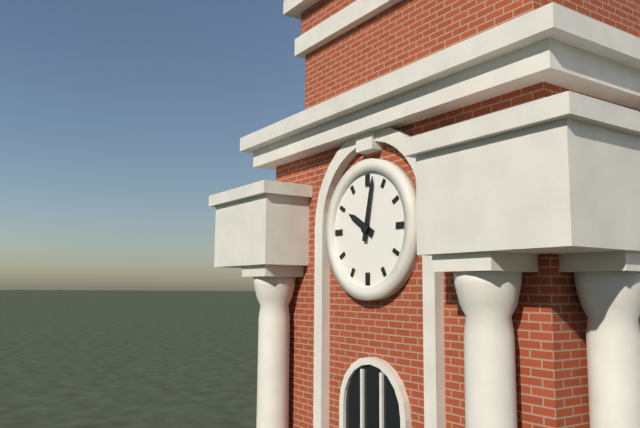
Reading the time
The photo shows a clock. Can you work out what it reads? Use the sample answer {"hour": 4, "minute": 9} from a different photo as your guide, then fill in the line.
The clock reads {"hour": 10, "minute": 2}
